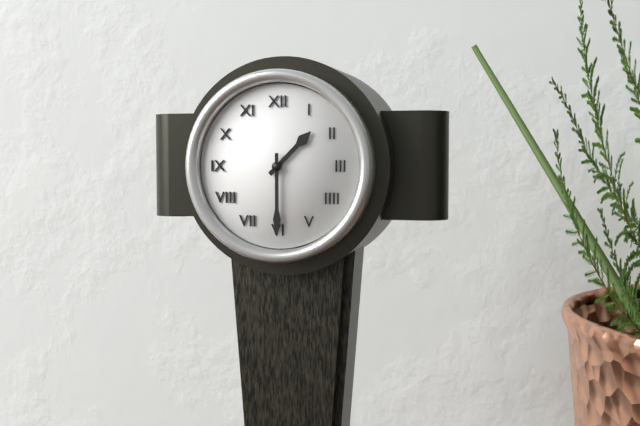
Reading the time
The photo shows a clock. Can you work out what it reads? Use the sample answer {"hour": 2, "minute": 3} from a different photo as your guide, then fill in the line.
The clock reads {"hour": 1, "minute": 30}
